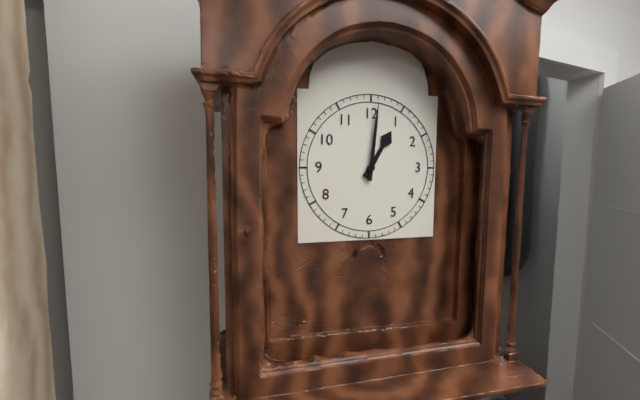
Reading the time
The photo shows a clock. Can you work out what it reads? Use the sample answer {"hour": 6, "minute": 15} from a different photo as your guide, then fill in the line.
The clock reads {"hour": 1, "minute": 1}
